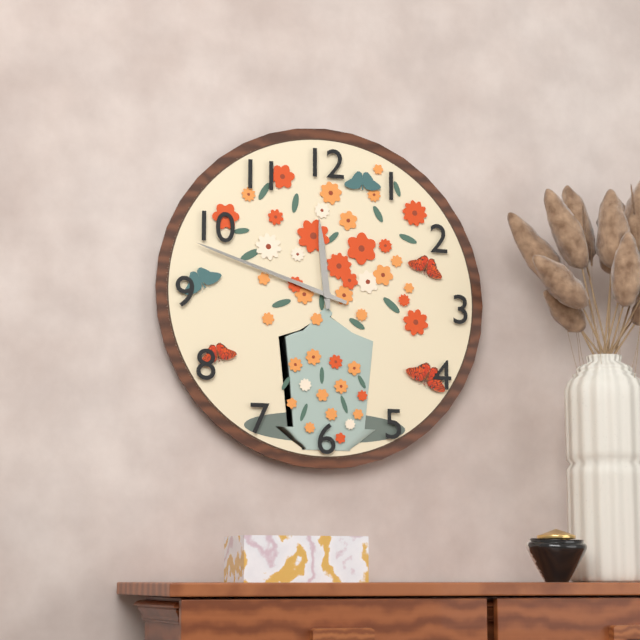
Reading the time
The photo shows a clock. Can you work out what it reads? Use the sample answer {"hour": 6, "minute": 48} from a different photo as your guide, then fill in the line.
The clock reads {"hour": 11, "minute": 48}
